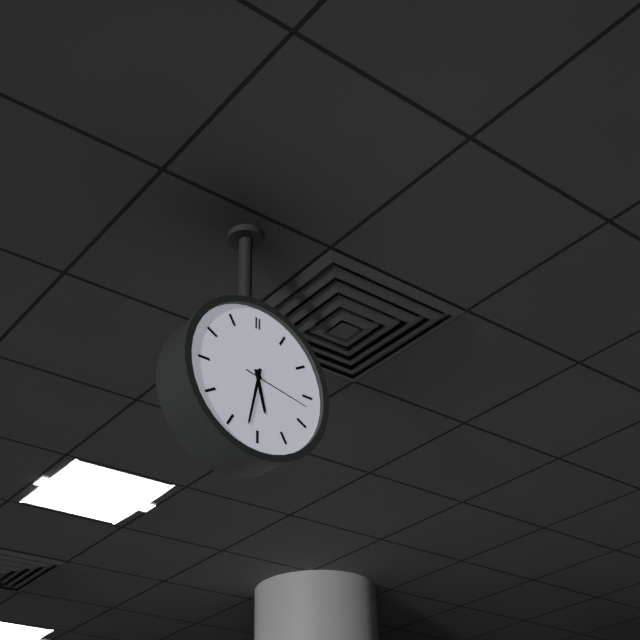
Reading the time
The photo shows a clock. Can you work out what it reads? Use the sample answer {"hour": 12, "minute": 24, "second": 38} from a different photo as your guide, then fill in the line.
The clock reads {"hour": 5, "minute": 32, "second": 17}
